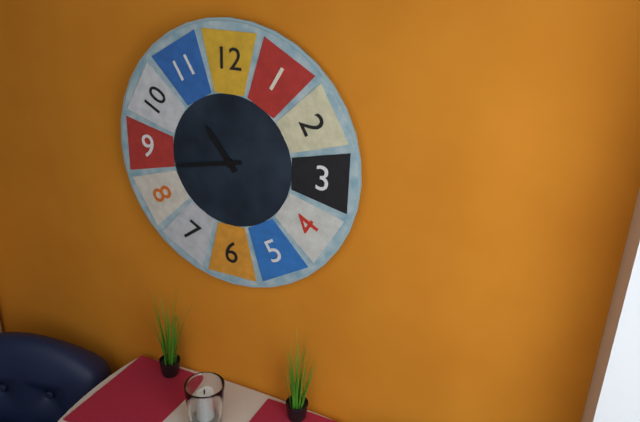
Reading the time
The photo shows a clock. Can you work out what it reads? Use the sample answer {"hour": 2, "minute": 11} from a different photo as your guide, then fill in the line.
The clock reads {"hour": 10, "minute": 43}
